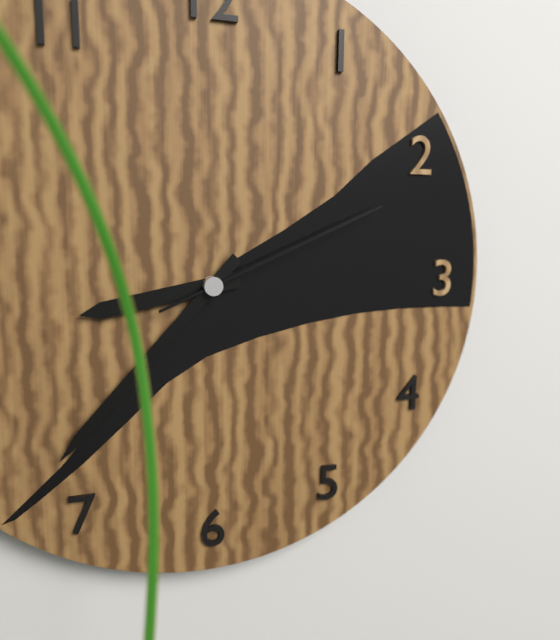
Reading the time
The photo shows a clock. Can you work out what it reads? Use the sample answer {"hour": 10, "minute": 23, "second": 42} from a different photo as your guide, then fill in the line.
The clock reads {"hour": 8, "minute": 37, "second": 11}
